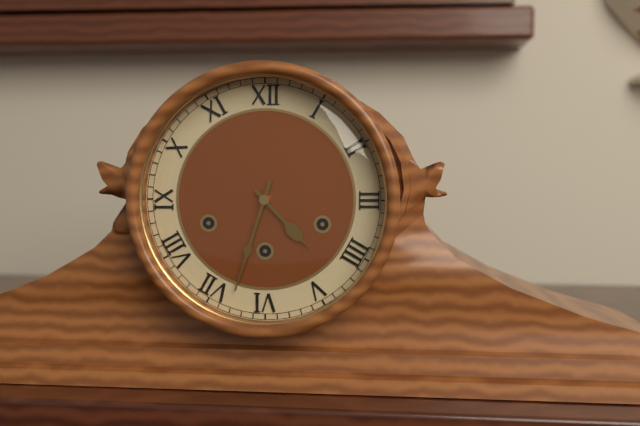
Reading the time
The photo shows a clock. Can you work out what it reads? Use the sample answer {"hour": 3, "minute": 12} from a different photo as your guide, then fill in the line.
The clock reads {"hour": 4, "minute": 33}
